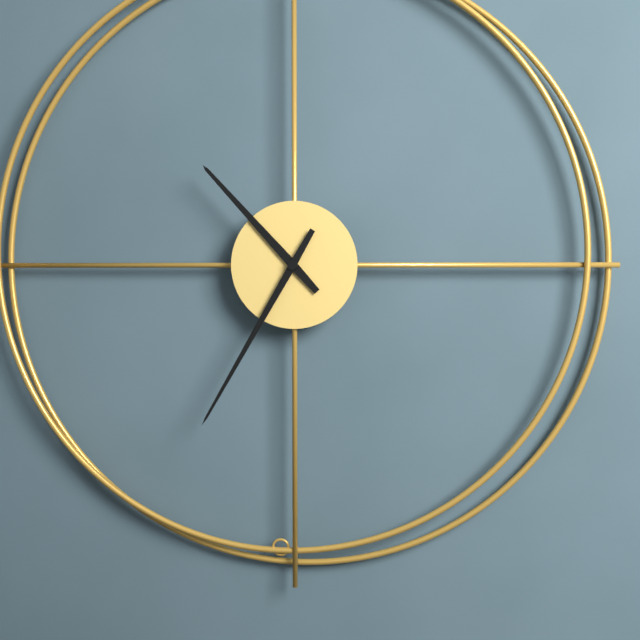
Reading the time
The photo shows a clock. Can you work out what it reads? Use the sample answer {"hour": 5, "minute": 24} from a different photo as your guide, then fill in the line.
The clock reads {"hour": 10, "minute": 35}
